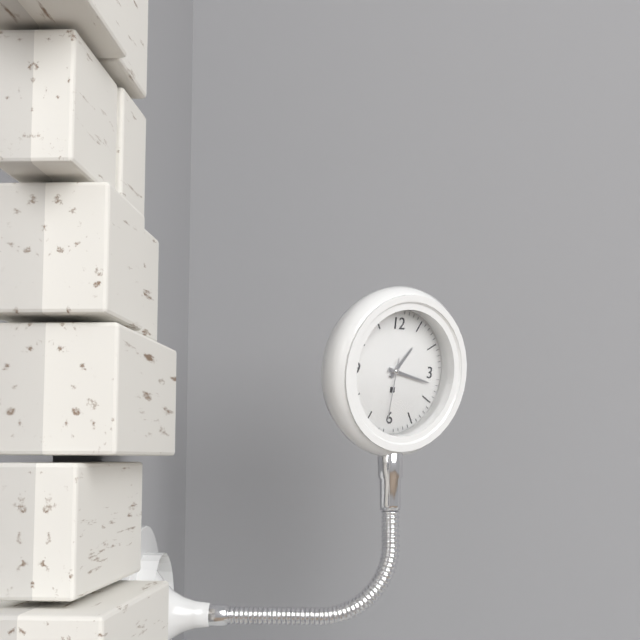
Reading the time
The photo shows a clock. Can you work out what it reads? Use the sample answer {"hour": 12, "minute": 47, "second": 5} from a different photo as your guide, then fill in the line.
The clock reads {"hour": 1, "minute": 17, "second": 31}
